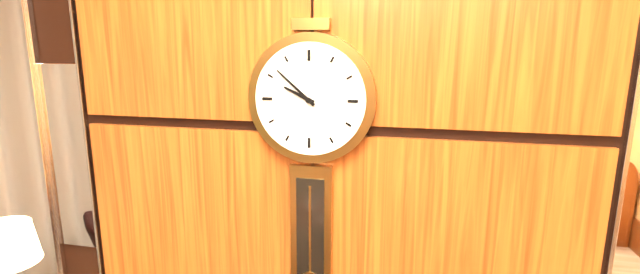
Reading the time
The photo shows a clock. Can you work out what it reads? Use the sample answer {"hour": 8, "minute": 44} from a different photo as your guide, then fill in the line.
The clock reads {"hour": 9, "minute": 52}
